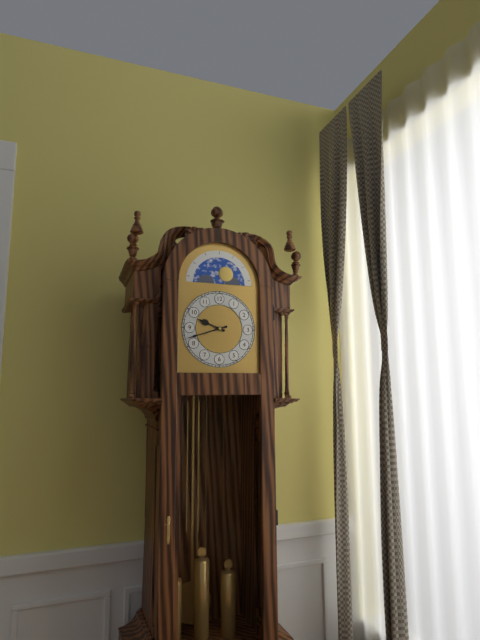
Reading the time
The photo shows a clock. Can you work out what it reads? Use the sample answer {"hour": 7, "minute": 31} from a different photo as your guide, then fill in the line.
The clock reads {"hour": 9, "minute": 42}
